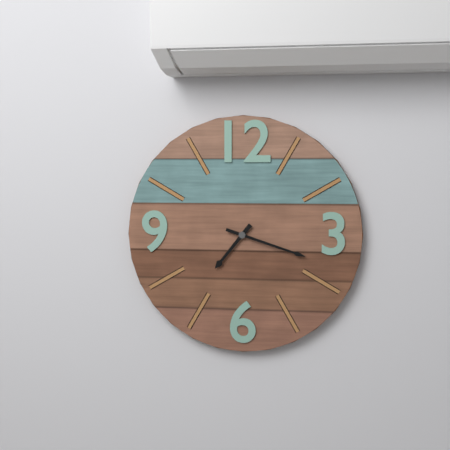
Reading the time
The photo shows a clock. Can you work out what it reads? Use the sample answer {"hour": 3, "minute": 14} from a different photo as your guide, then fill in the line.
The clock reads {"hour": 7, "minute": 18}
